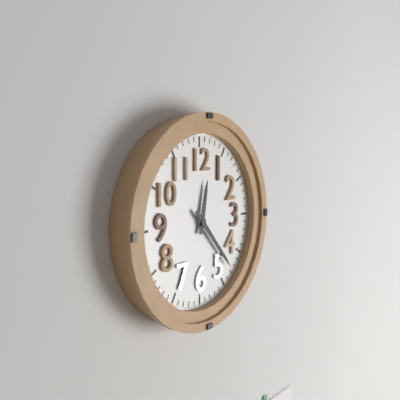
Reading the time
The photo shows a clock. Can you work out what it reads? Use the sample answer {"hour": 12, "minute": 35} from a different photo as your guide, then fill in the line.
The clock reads {"hour": 12, "minute": 23}
